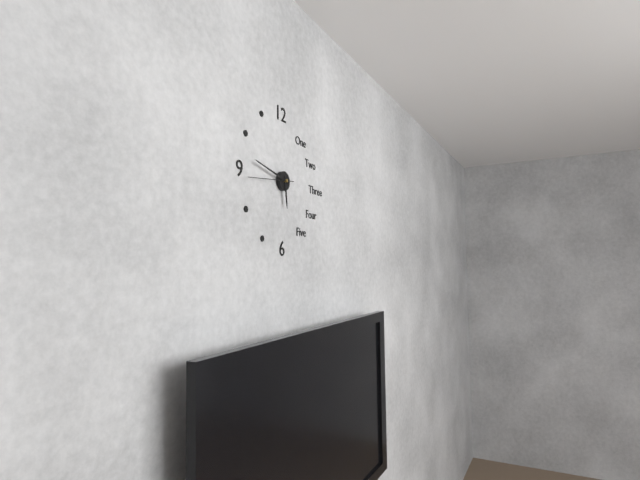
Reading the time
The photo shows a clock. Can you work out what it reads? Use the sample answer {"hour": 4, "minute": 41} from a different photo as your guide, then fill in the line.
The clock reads {"hour": 5, "minute": 47}
